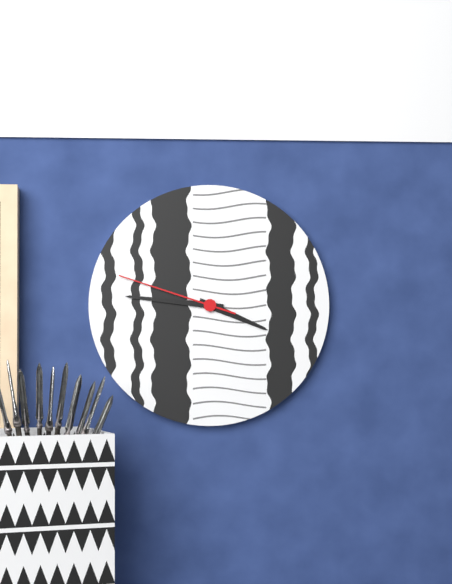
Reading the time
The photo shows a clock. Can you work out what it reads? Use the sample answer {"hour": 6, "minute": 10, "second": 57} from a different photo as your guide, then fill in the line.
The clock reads {"hour": 3, "minute": 46, "second": 48}
